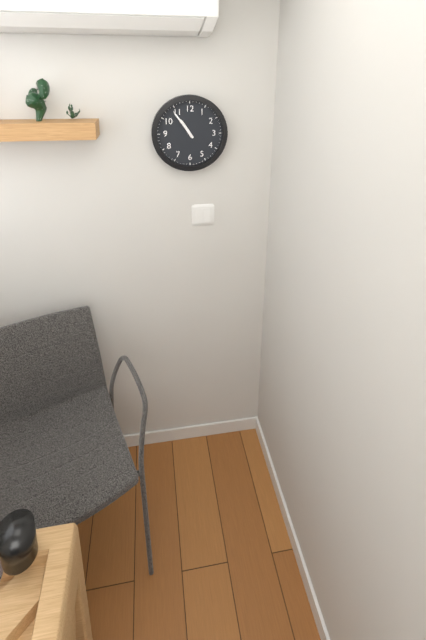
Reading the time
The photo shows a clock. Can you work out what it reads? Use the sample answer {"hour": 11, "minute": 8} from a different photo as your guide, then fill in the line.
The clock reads {"hour": 10, "minute": 54}
